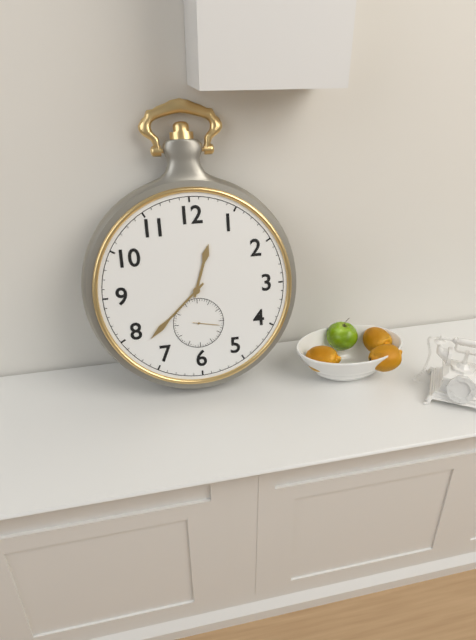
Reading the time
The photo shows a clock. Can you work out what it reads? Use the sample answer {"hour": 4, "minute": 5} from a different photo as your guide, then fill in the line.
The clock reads {"hour": 12, "minute": 38}
